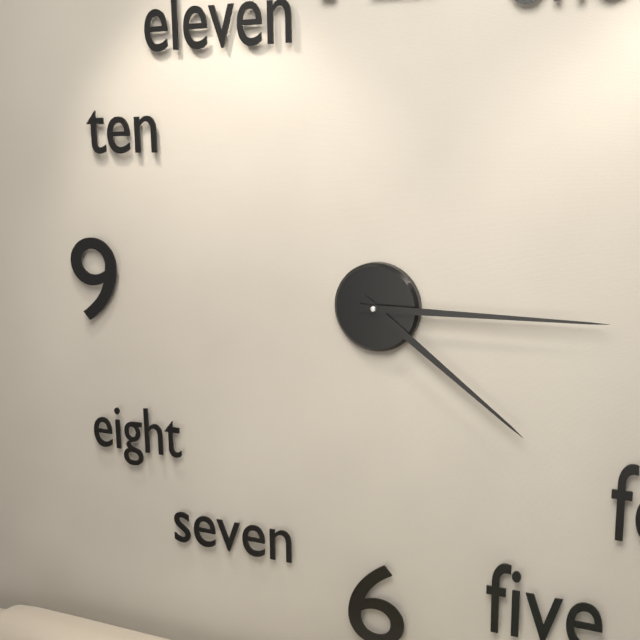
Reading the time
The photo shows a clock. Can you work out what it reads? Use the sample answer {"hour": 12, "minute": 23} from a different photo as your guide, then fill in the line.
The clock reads {"hour": 4, "minute": 15}
